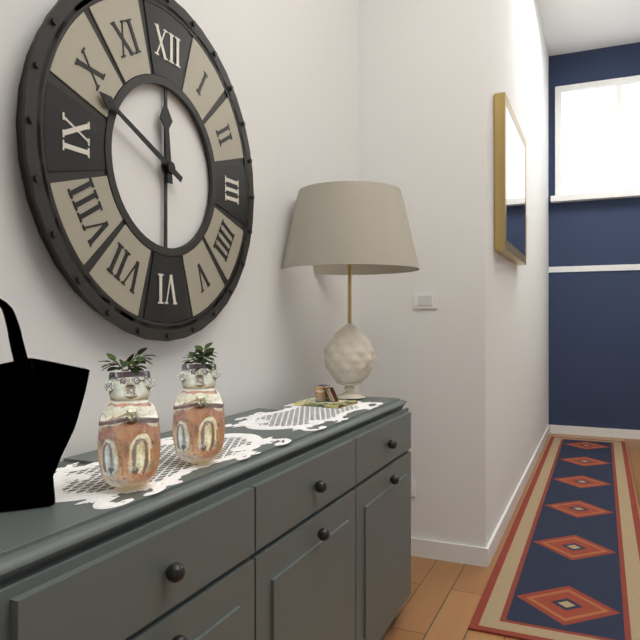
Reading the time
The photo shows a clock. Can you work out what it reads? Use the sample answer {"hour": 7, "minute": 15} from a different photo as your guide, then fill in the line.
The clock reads {"hour": 11, "minute": 49}
